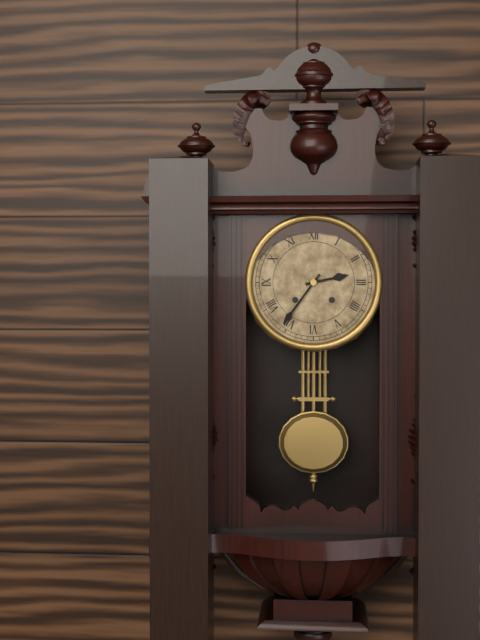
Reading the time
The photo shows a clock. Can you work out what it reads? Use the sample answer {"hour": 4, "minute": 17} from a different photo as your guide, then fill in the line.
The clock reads {"hour": 2, "minute": 36}
